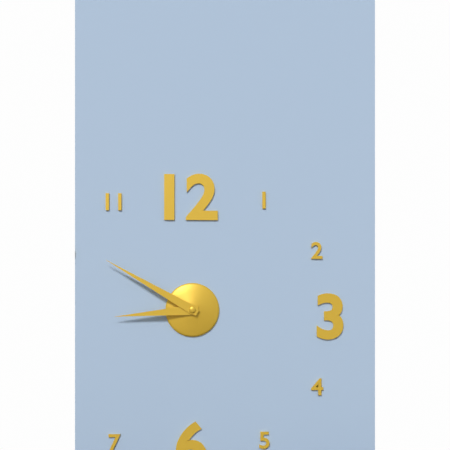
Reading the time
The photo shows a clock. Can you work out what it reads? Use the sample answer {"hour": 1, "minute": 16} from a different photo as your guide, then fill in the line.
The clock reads {"hour": 8, "minute": 50}
